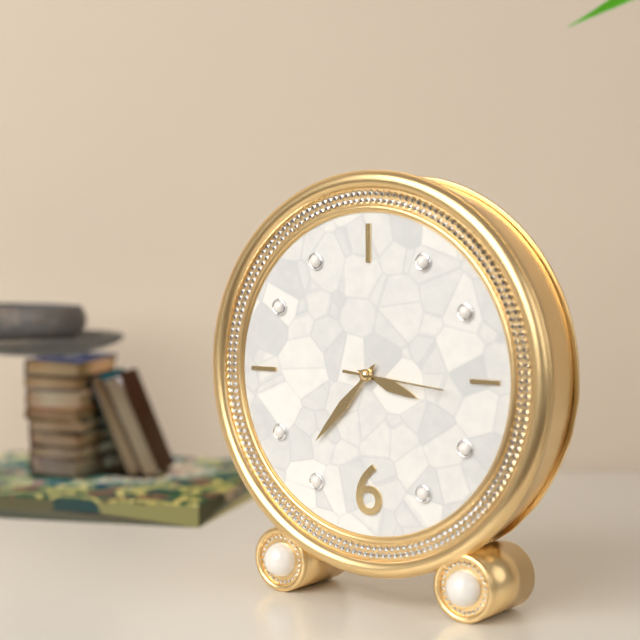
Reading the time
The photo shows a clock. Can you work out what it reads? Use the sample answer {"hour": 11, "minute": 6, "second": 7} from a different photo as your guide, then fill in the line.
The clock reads {"hour": 3, "minute": 37, "second": 16}
